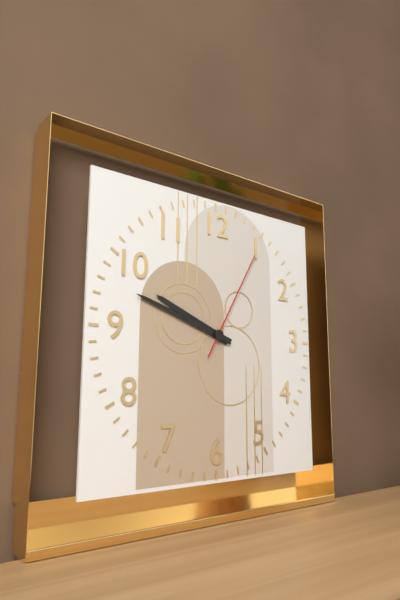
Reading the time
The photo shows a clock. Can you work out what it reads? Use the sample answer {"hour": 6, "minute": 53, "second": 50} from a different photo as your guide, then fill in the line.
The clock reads {"hour": 9, "minute": 48, "second": 5}
